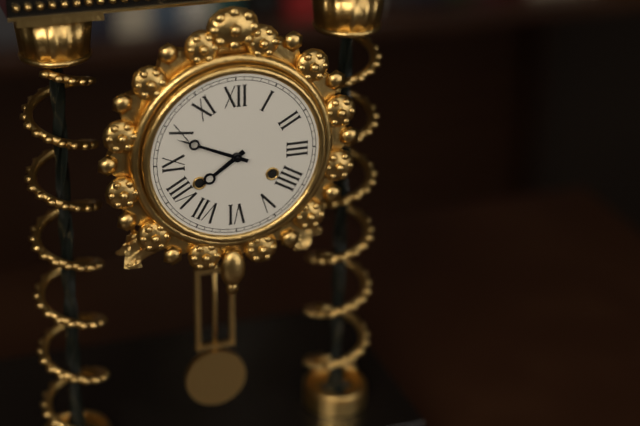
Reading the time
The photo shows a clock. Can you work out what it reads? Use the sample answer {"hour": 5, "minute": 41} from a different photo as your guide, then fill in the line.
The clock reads {"hour": 7, "minute": 49}
